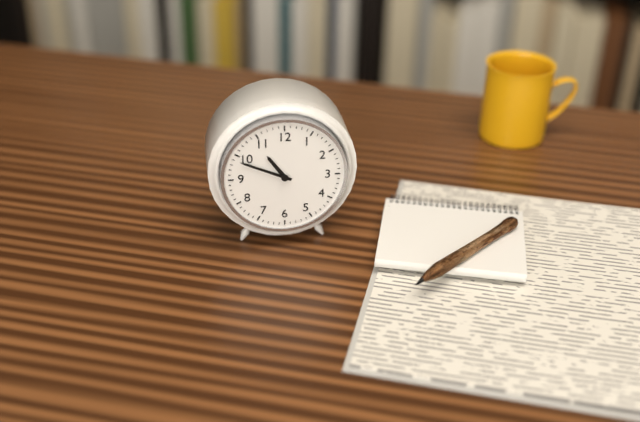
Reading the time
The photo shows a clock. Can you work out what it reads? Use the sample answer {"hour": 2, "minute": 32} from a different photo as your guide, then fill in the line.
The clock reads {"hour": 10, "minute": 49}
